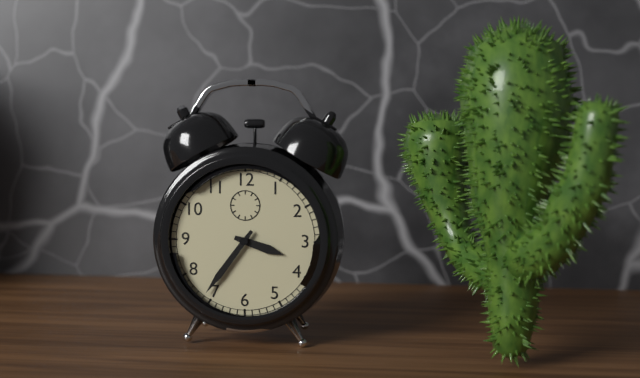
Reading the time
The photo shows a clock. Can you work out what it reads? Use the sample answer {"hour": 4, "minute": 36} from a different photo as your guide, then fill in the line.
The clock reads {"hour": 3, "minute": 36}
